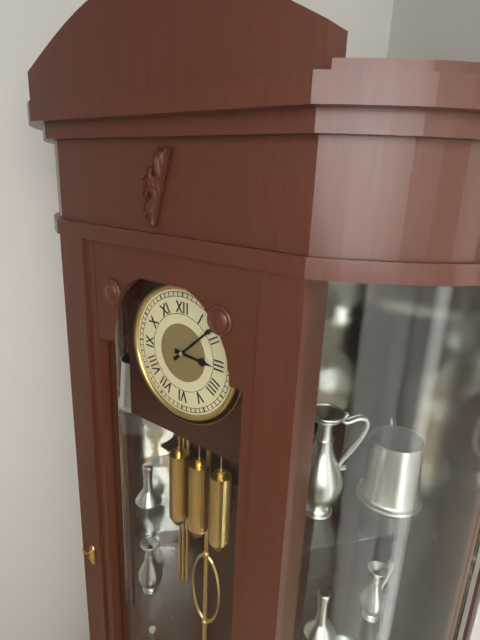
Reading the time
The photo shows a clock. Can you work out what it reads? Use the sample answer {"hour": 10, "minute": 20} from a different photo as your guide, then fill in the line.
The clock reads {"hour": 3, "minute": 8}
